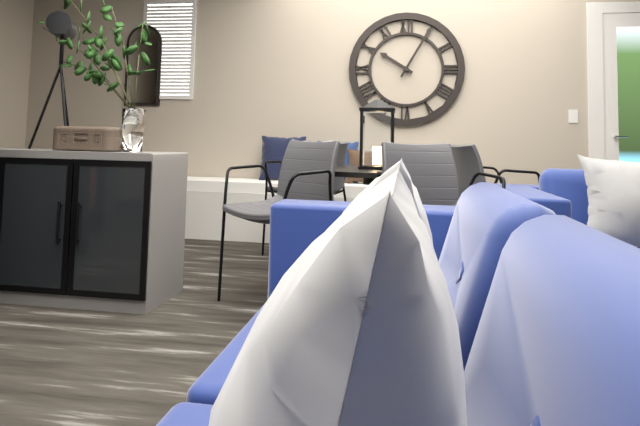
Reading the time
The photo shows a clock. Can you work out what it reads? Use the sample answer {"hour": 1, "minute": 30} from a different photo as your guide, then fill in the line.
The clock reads {"hour": 10, "minute": 5}
